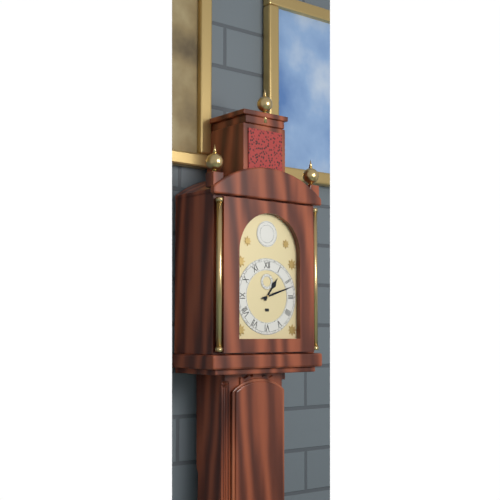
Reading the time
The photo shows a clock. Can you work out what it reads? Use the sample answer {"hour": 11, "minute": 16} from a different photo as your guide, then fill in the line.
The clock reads {"hour": 1, "minute": 12}
